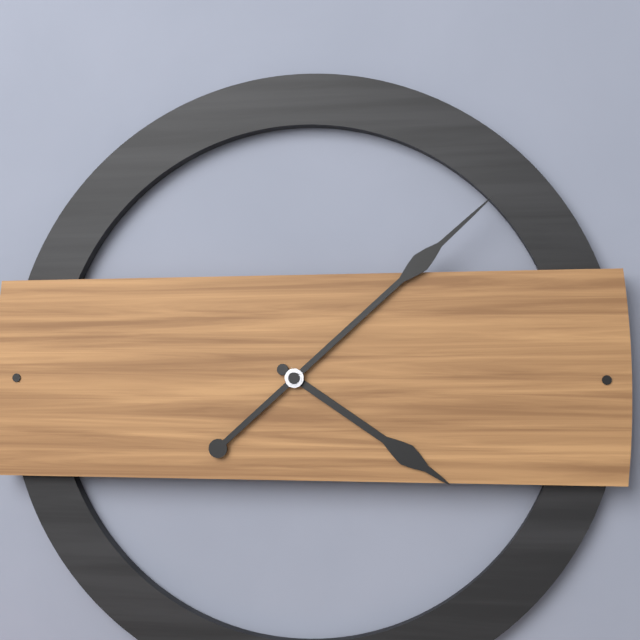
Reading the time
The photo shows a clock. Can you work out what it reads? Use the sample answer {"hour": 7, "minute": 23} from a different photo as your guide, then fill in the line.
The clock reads {"hour": 4, "minute": 8}
